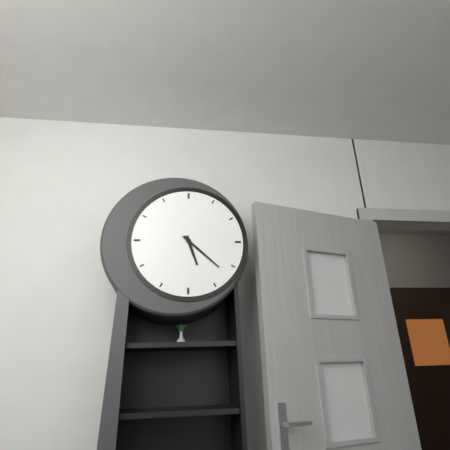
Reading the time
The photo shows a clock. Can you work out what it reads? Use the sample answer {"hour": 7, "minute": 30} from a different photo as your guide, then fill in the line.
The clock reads {"hour": 5, "minute": 22}
